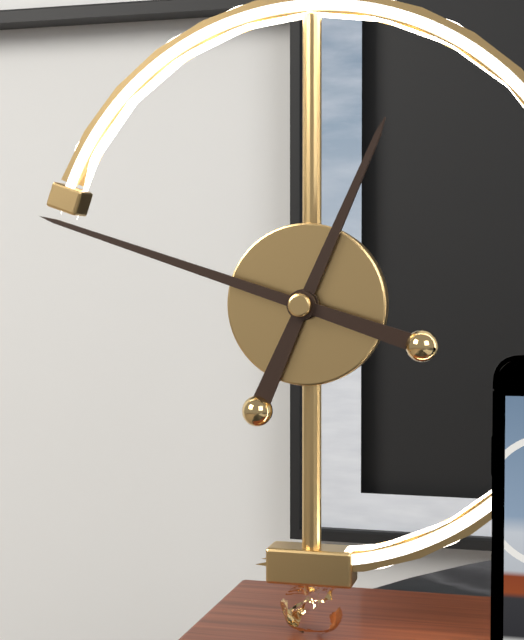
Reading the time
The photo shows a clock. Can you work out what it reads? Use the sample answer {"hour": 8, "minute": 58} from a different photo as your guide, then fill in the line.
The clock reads {"hour": 12, "minute": 48}
